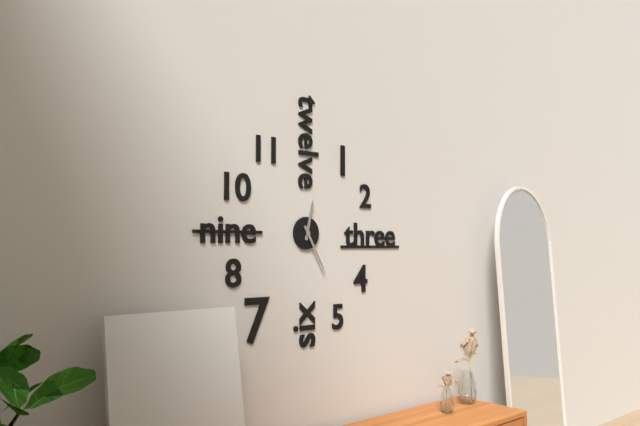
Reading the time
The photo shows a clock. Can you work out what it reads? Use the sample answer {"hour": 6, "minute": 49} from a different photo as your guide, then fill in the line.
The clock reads {"hour": 12, "minute": 25}
